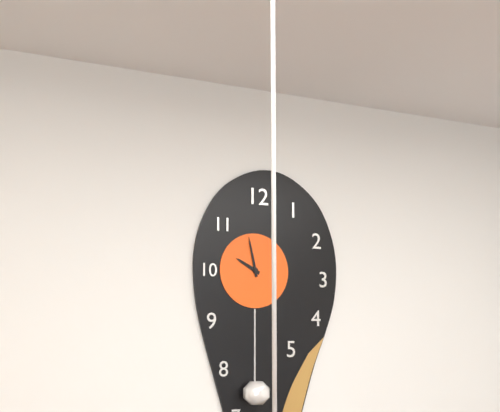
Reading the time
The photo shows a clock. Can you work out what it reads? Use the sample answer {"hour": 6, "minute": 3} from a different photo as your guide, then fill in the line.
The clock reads {"hour": 9, "minute": 58}
